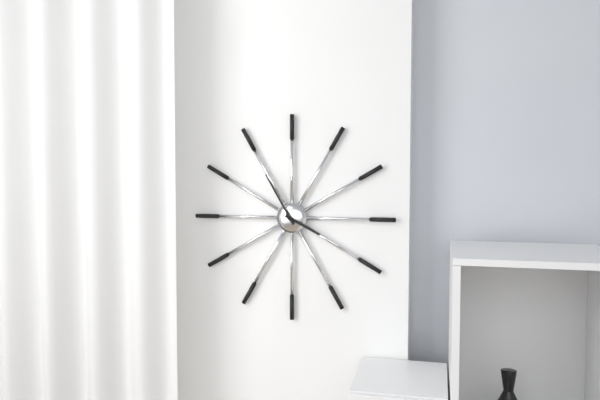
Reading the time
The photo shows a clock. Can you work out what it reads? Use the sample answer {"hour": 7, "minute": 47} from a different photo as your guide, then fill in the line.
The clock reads {"hour": 3, "minute": 55}
